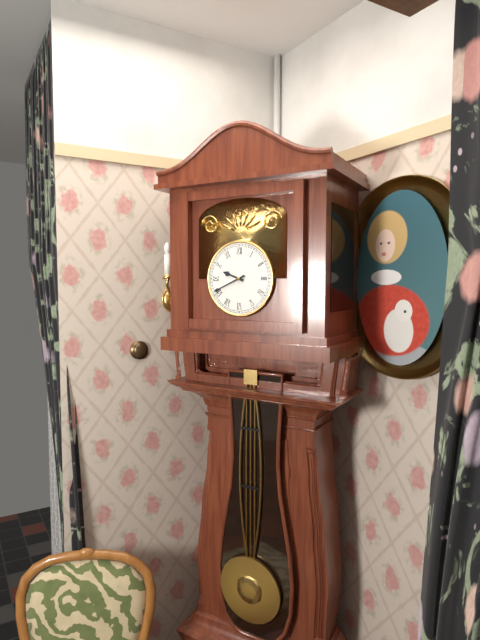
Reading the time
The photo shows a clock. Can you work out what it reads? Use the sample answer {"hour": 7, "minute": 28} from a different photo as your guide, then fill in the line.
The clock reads {"hour": 9, "minute": 41}
